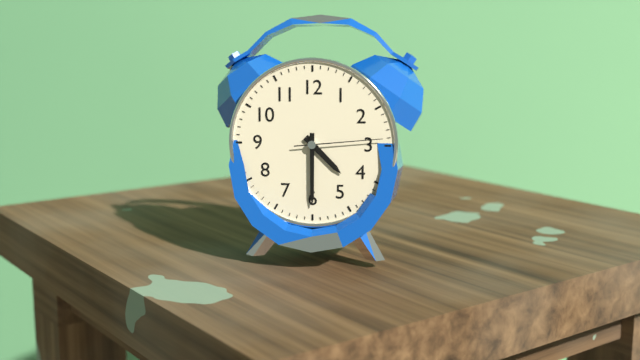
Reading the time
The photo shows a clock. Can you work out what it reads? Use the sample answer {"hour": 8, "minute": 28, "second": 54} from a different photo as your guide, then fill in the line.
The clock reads {"hour": 4, "minute": 30, "second": 14}
